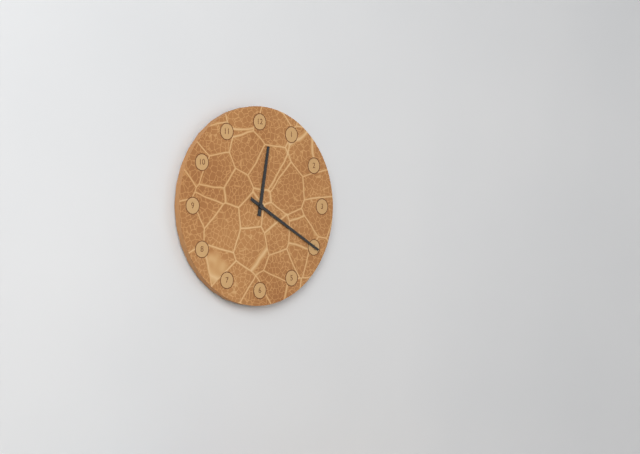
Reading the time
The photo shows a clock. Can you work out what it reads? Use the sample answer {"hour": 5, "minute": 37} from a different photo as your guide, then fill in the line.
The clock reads {"hour": 12, "minute": 20}
